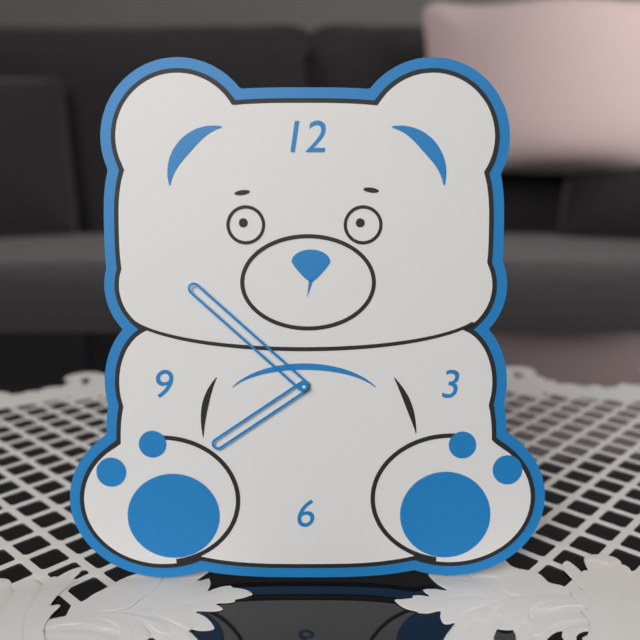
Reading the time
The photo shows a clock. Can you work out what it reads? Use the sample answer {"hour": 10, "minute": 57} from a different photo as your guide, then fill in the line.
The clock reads {"hour": 7, "minute": 52}
